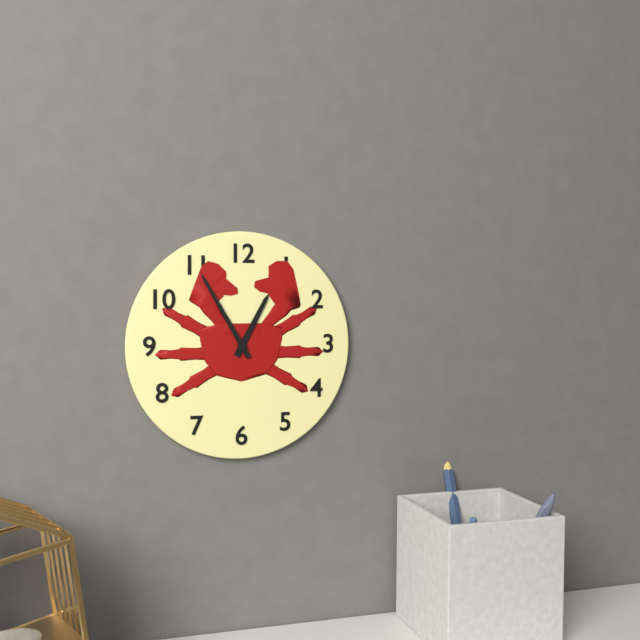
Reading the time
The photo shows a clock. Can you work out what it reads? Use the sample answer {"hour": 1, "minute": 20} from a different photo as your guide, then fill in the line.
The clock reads {"hour": 12, "minute": 55}
